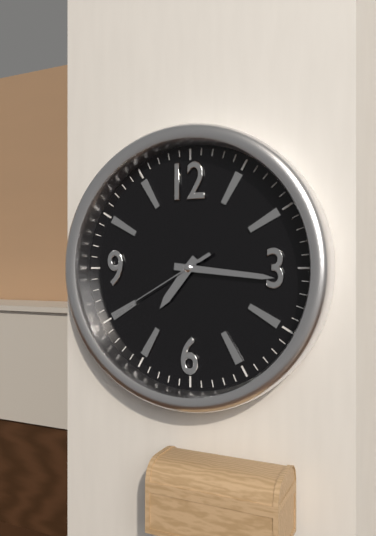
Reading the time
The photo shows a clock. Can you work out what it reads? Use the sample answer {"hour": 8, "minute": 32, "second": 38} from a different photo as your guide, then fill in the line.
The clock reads {"hour": 7, "minute": 16, "second": 40}
